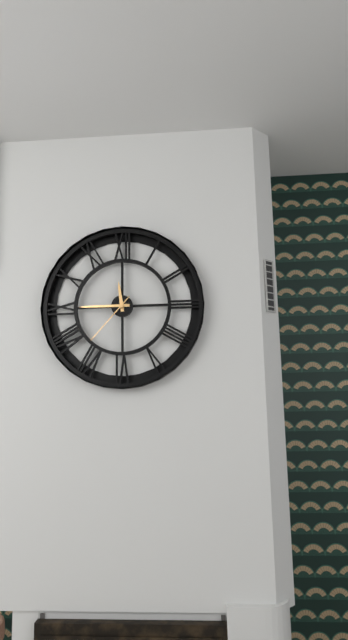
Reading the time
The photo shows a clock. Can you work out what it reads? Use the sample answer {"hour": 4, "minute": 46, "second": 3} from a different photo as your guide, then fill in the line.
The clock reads {"hour": 11, "minute": 45, "second": 37}
